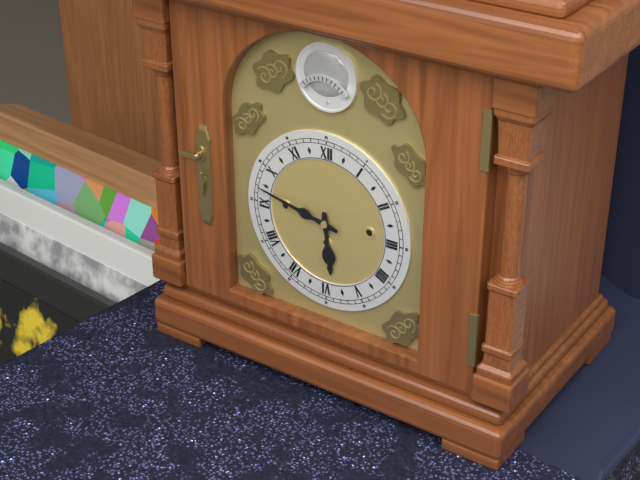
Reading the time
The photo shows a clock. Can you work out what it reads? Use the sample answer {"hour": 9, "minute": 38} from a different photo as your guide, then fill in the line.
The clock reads {"hour": 5, "minute": 47}
